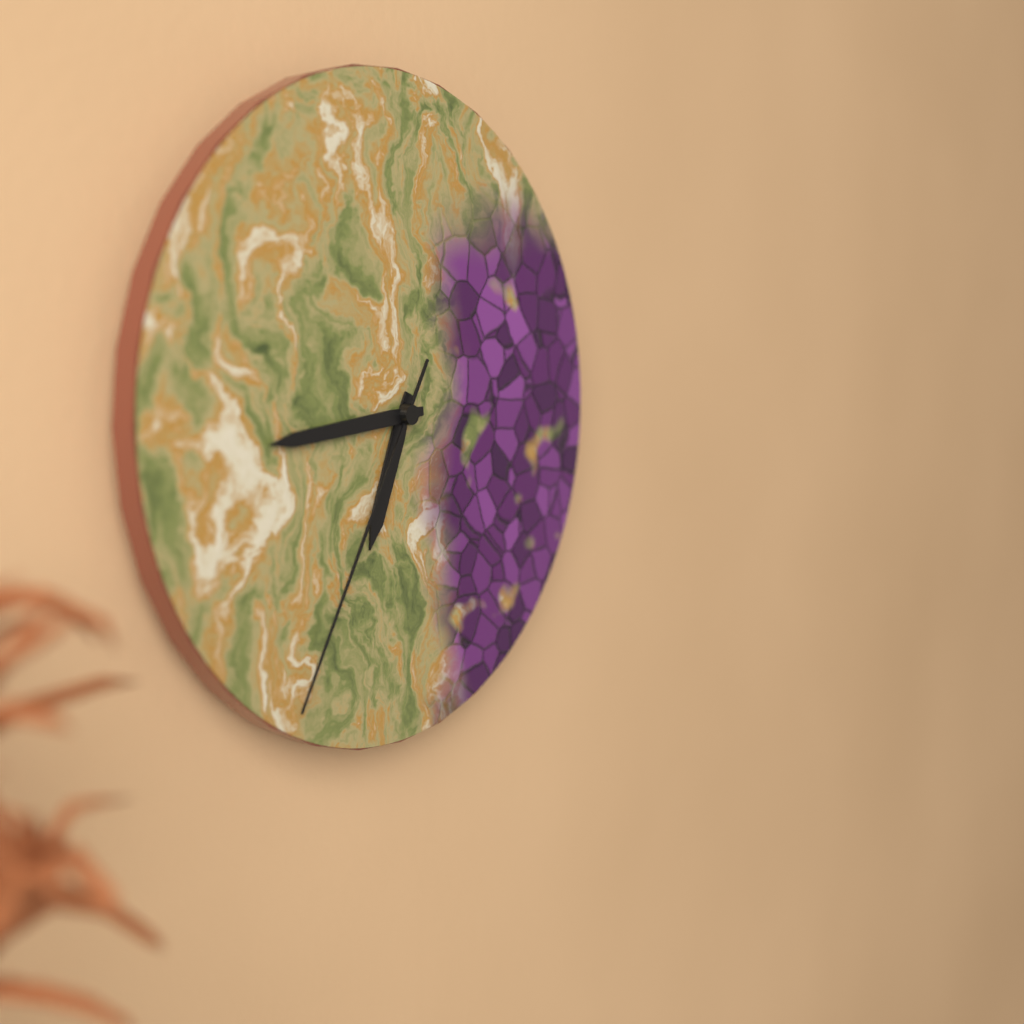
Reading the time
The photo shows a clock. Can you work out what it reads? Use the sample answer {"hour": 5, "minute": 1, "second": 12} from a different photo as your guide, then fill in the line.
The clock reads {"hour": 6, "minute": 44, "second": 35}
